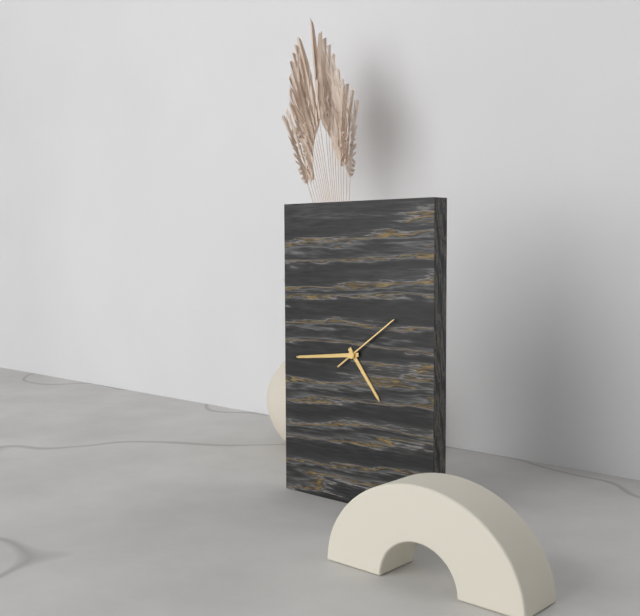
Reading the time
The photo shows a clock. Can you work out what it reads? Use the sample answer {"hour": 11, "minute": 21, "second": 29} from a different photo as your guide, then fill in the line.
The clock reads {"hour": 4, "minute": 44, "second": 9}
